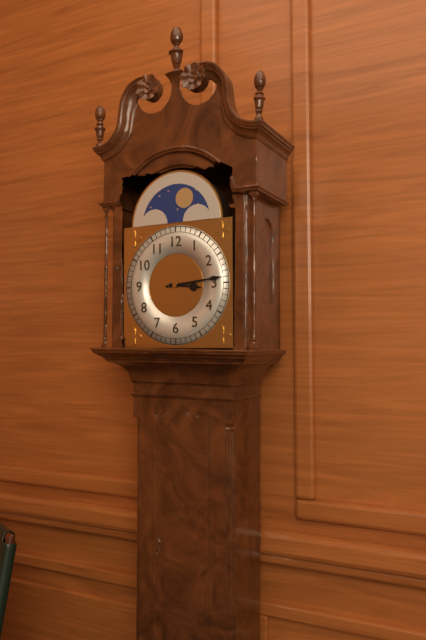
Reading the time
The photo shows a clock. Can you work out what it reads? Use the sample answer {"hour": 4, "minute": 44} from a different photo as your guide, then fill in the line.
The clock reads {"hour": 3, "minute": 14}
